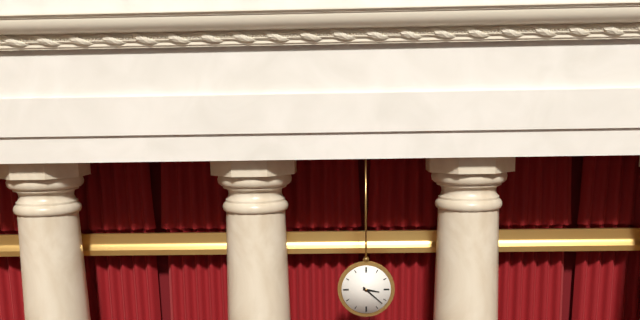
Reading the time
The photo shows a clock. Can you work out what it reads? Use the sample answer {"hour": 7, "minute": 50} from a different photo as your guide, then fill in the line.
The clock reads {"hour": 3, "minute": 22}
